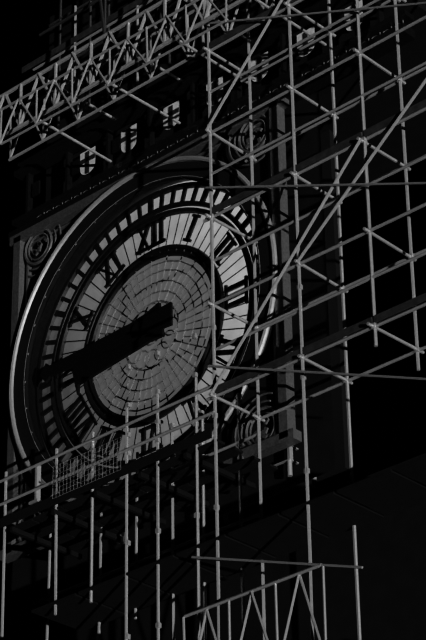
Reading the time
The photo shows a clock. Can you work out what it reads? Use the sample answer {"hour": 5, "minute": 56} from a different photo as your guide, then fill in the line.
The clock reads {"hour": 8, "minute": 45}
